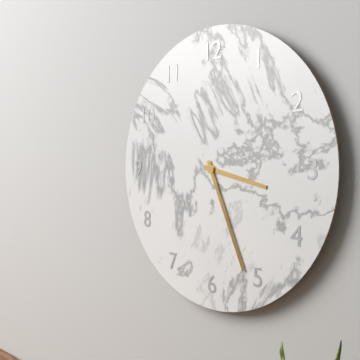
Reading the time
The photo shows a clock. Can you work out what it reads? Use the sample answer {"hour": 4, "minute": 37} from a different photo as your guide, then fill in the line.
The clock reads {"hour": 3, "minute": 26}
